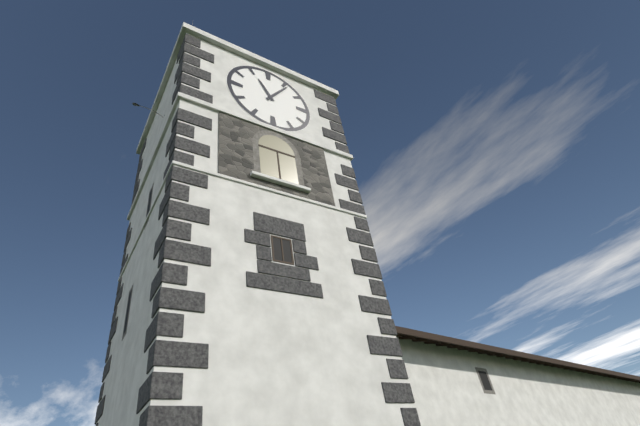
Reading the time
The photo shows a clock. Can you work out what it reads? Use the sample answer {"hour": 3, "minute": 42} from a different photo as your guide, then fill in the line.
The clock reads {"hour": 11, "minute": 6}
